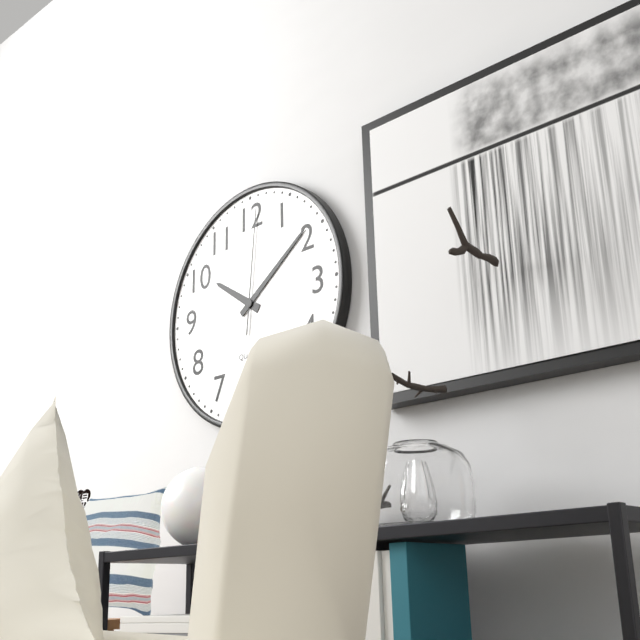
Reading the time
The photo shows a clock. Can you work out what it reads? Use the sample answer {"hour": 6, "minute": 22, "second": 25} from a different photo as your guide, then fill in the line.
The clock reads {"hour": 10, "minute": 9, "second": 1}
